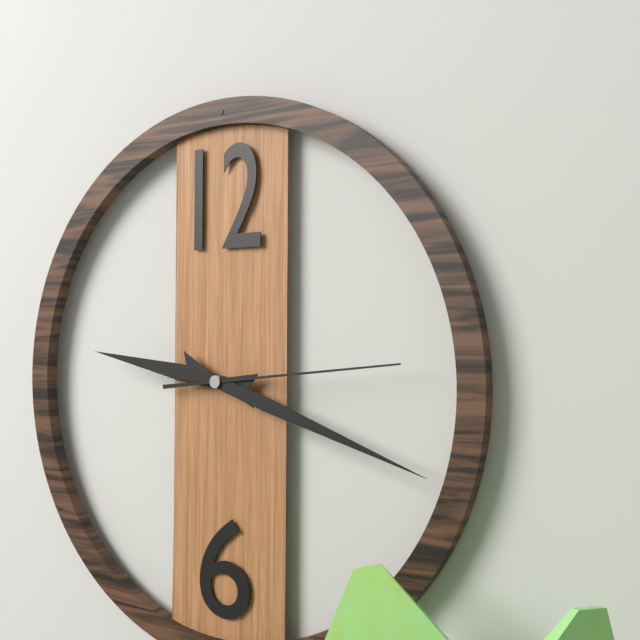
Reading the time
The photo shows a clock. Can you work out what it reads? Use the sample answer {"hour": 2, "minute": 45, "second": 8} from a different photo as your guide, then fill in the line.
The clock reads {"hour": 9, "minute": 18, "second": 14}
